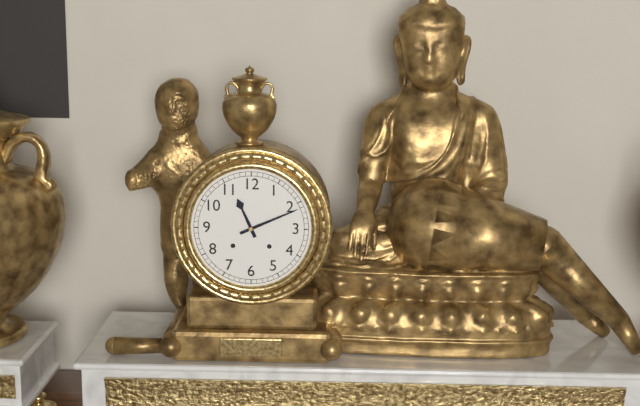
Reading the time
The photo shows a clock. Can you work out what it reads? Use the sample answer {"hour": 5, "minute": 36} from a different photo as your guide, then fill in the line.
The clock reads {"hour": 11, "minute": 11}
